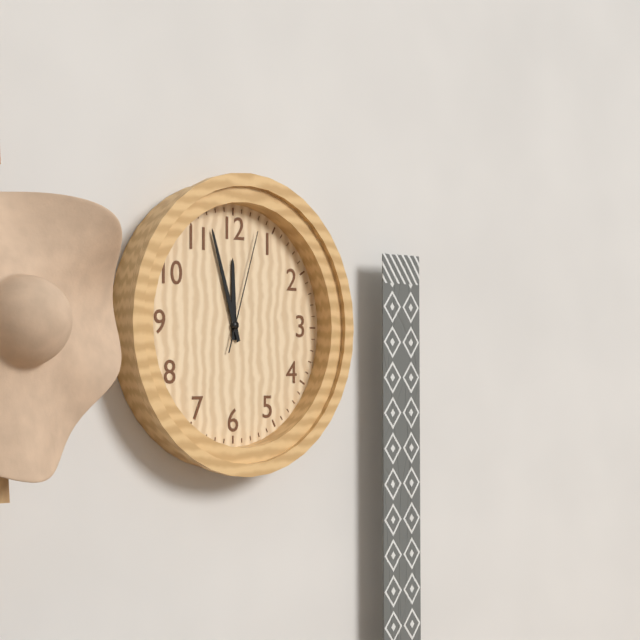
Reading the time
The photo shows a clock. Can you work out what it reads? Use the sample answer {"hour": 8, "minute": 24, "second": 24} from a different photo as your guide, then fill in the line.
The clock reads {"hour": 11, "minute": 57, "second": 3}
